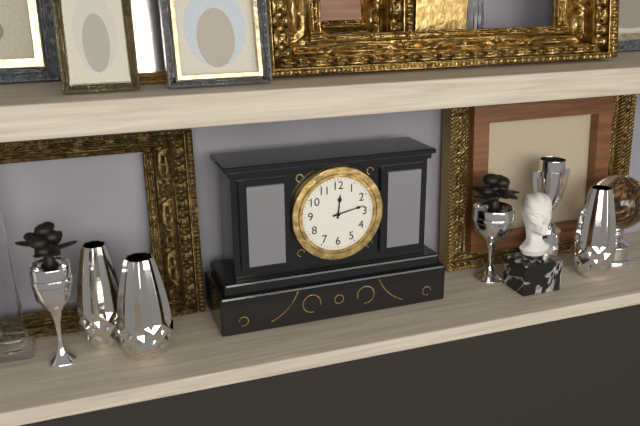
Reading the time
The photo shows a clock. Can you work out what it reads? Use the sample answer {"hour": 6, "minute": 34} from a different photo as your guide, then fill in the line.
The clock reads {"hour": 12, "minute": 13}
